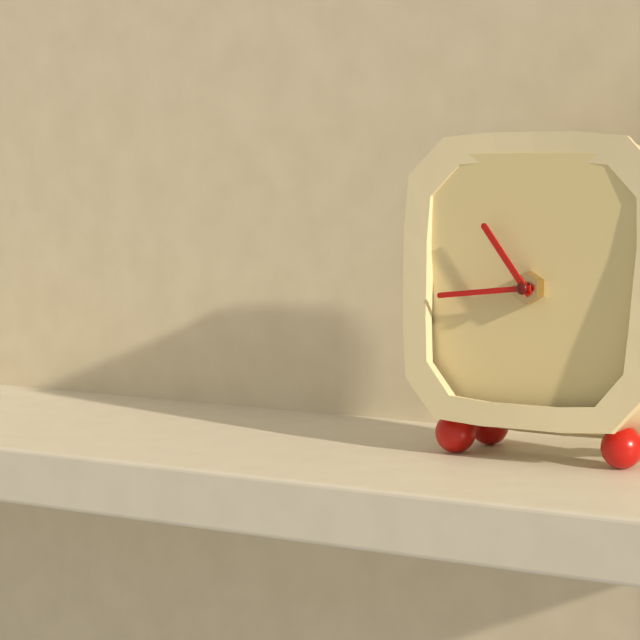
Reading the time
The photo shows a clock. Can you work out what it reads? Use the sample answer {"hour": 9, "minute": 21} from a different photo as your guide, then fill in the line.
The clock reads {"hour": 10, "minute": 44}
